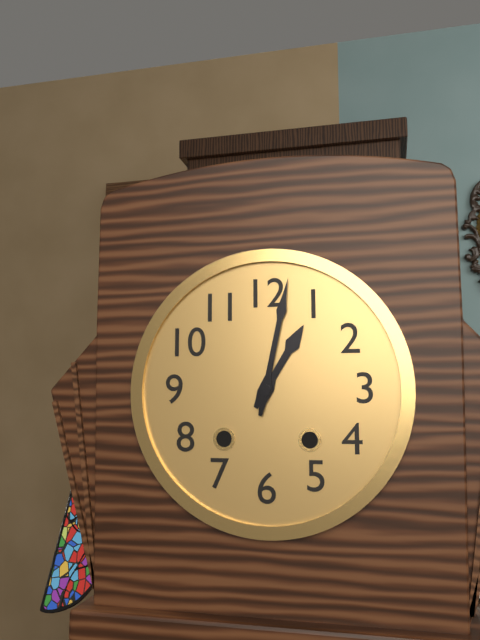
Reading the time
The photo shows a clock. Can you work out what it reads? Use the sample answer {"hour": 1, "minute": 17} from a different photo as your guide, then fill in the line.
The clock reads {"hour": 1, "minute": 2}
